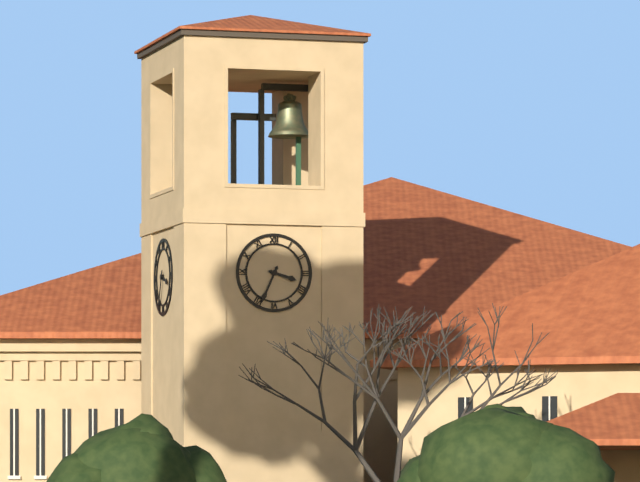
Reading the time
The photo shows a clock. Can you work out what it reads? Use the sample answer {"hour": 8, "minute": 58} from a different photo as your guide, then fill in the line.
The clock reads {"hour": 3, "minute": 34}
